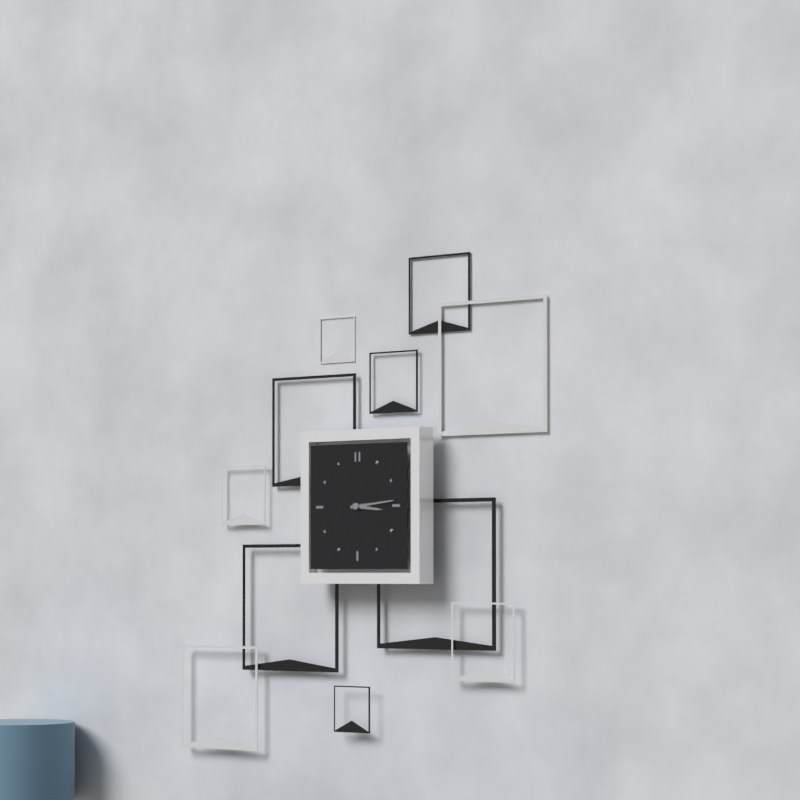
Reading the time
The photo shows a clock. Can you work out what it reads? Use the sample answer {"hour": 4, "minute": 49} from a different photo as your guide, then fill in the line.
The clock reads {"hour": 3, "minute": 14}
